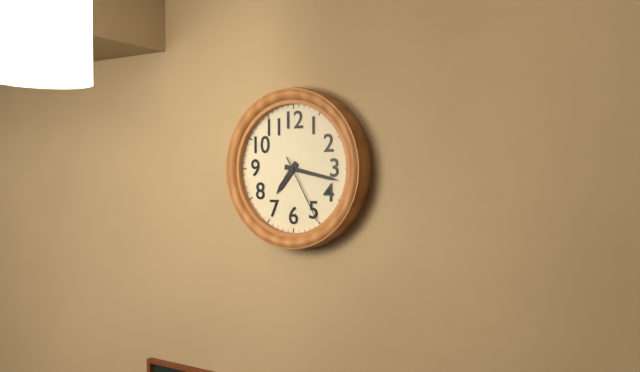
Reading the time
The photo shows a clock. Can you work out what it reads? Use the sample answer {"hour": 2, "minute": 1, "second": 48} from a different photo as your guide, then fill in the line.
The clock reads {"hour": 7, "minute": 17, "second": 25}
